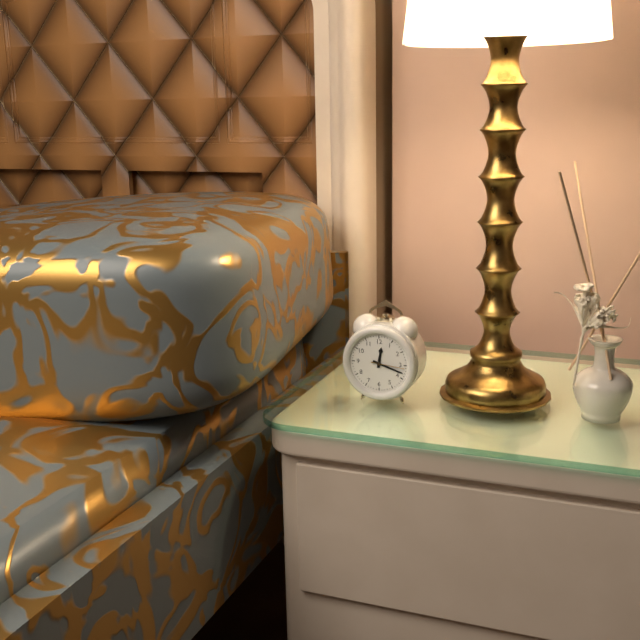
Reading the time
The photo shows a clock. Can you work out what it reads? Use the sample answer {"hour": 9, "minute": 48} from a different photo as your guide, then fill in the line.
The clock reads {"hour": 12, "minute": 18}
